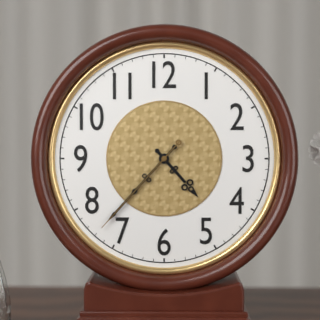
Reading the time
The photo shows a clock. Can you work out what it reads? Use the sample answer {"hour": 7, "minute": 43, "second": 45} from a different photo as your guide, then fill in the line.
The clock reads {"hour": 4, "minute": 37, "second": 37}
